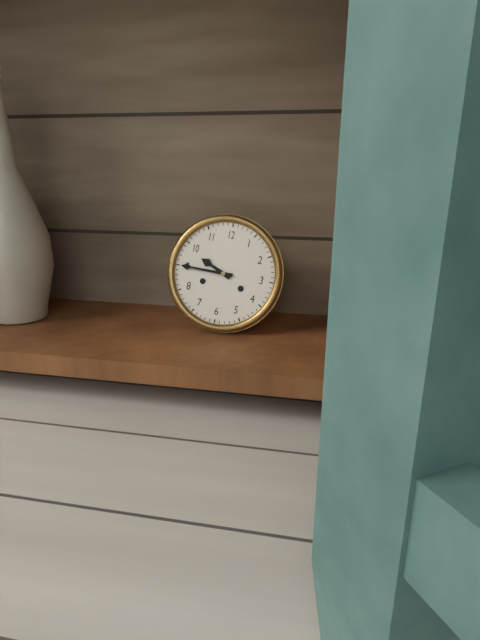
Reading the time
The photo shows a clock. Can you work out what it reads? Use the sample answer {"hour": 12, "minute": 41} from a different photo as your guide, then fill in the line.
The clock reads {"hour": 9, "minute": 45}
